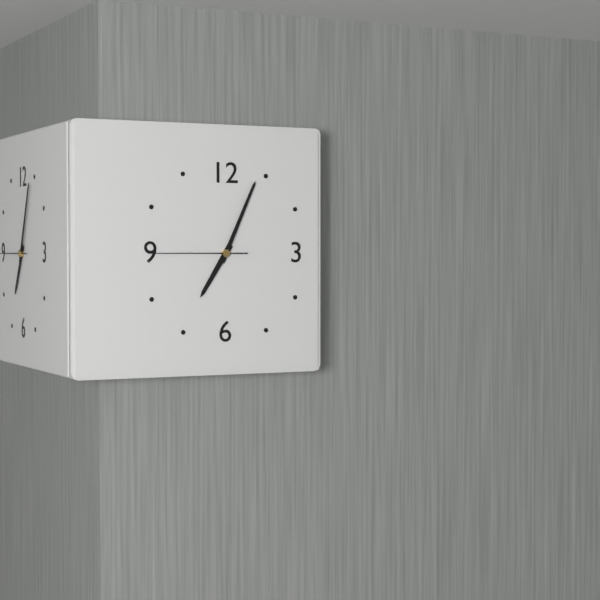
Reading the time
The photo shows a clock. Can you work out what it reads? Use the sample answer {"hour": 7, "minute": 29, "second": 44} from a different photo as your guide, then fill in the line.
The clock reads {"hour": 7, "minute": 4, "second": 45}
